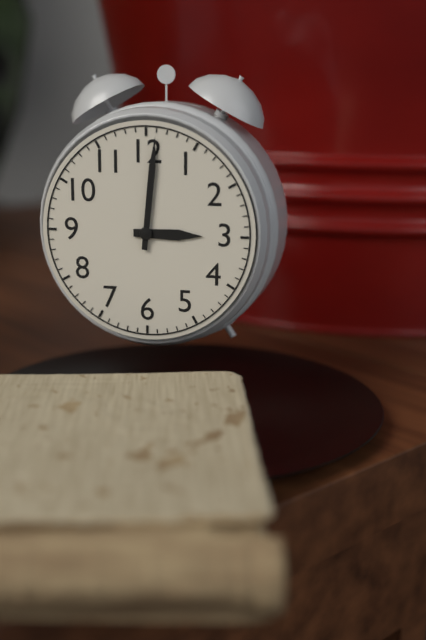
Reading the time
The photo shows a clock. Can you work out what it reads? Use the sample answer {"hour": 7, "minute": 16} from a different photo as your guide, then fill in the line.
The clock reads {"hour": 3, "minute": 1}
